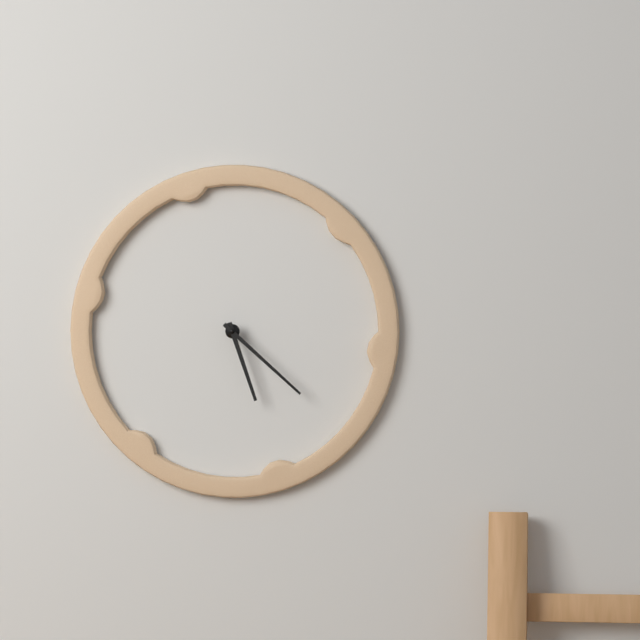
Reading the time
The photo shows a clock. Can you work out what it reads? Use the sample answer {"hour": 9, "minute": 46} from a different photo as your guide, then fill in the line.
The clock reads {"hour": 5, "minute": 22}
